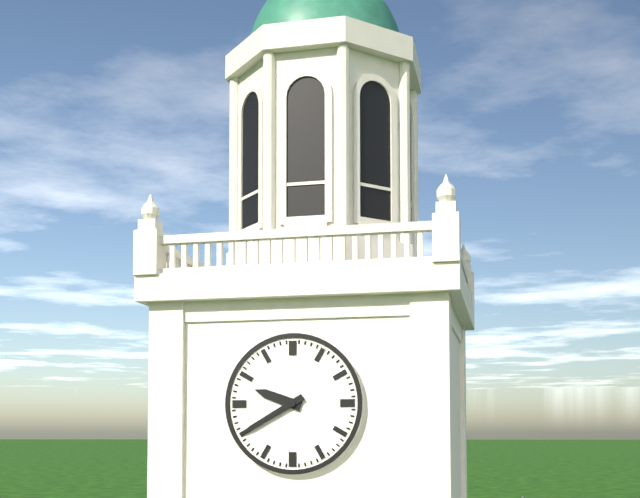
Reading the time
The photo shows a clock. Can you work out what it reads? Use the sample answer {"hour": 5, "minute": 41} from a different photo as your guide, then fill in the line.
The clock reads {"hour": 9, "minute": 40}
